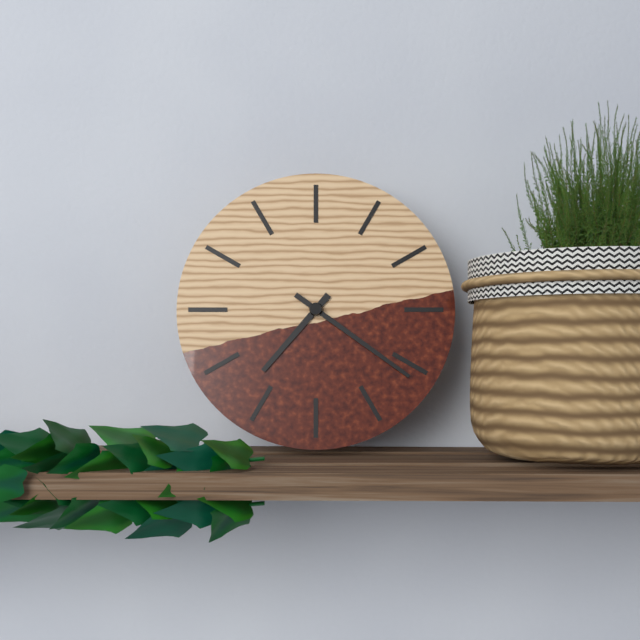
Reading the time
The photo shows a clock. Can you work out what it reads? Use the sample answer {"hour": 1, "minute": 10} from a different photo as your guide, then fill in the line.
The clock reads {"hour": 7, "minute": 21}
